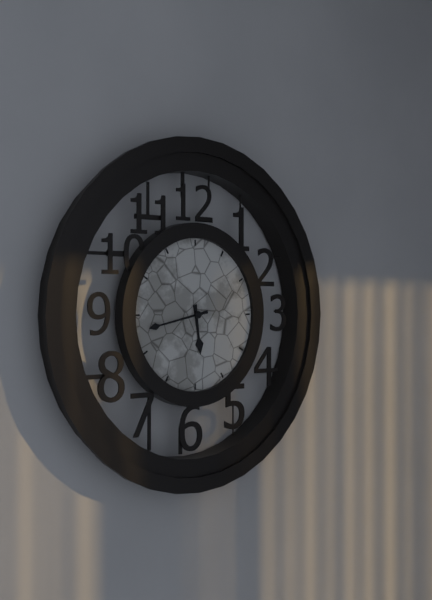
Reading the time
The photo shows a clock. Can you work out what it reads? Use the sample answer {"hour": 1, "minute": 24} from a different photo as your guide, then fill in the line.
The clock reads {"hour": 5, "minute": 43}
